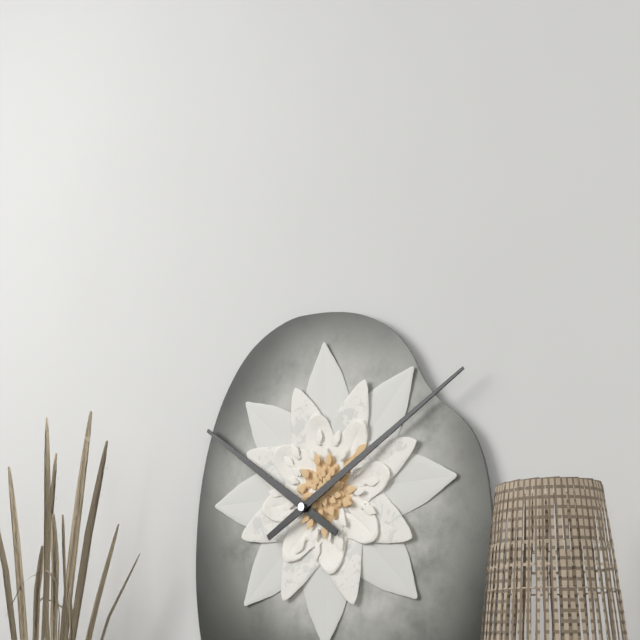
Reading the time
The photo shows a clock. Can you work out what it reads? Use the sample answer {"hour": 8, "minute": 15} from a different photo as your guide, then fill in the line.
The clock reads {"hour": 10, "minute": 10}
